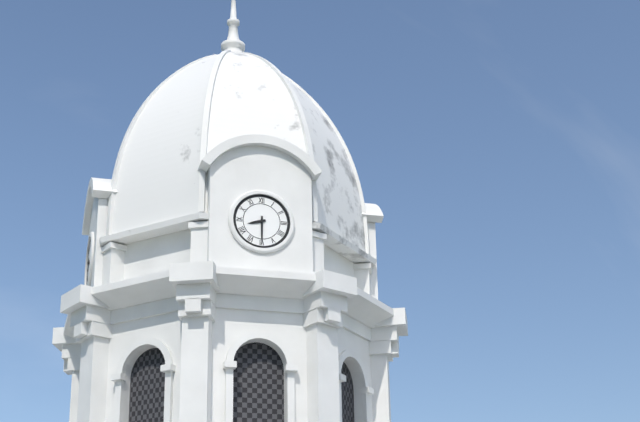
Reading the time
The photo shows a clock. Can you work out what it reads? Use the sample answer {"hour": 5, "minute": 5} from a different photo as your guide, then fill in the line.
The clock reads {"hour": 8, "minute": 30}
